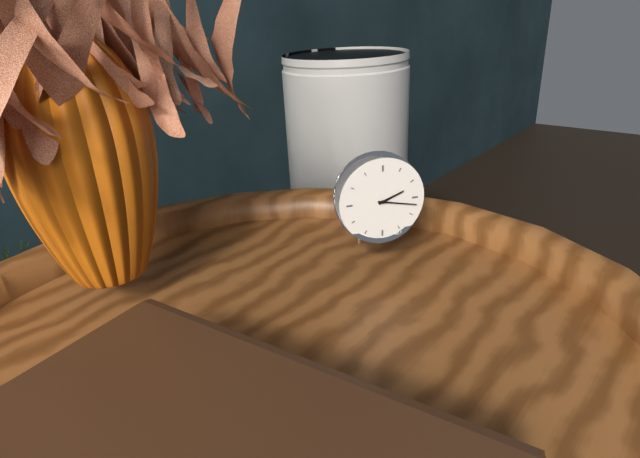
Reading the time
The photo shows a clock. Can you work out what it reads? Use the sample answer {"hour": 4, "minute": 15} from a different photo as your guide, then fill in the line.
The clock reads {"hour": 2, "minute": 17}
